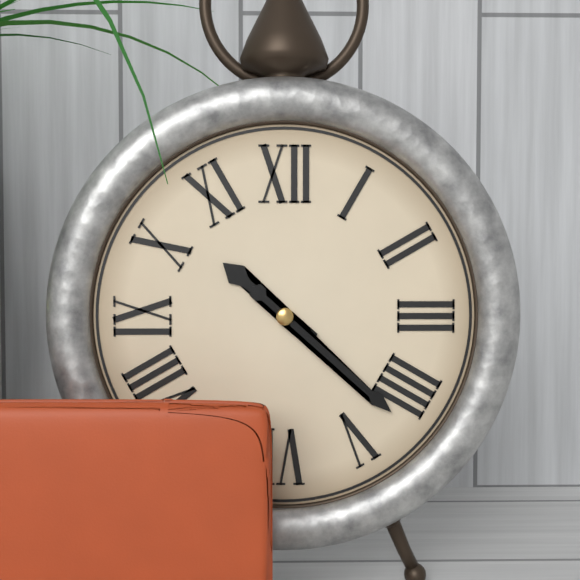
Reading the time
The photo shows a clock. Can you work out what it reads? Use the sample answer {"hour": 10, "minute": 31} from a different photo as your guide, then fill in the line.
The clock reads {"hour": 10, "minute": 22}
